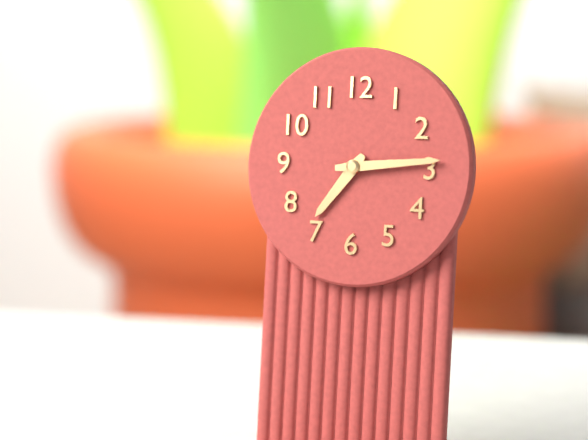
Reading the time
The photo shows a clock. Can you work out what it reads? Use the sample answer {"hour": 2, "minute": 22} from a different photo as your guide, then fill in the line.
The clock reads {"hour": 7, "minute": 14}
